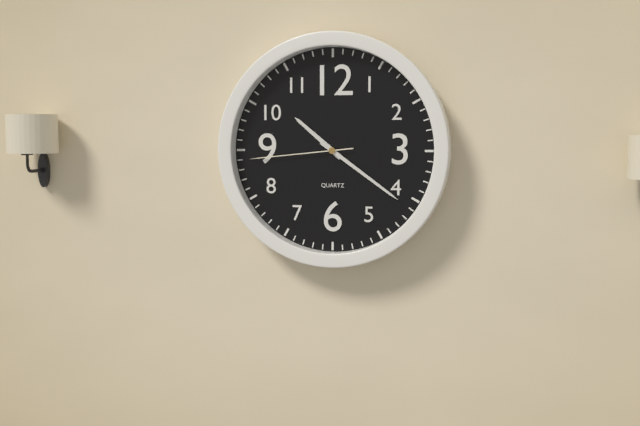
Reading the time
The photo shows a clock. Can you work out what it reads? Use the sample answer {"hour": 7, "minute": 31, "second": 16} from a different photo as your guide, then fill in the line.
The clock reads {"hour": 10, "minute": 21, "second": 44}
